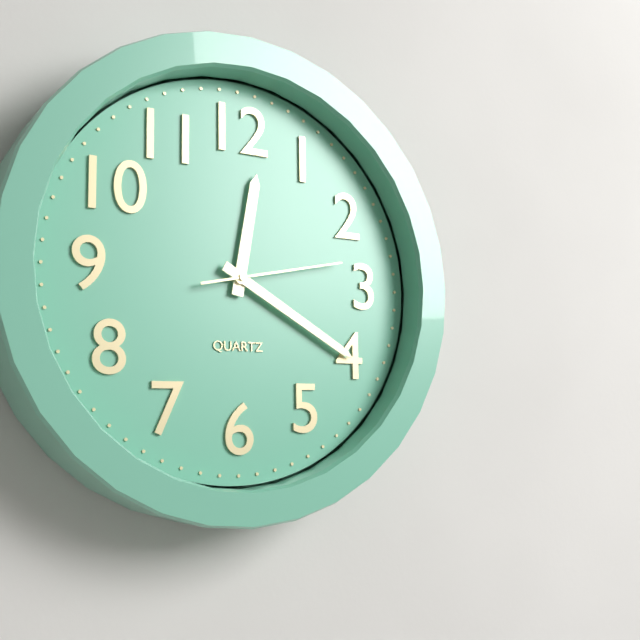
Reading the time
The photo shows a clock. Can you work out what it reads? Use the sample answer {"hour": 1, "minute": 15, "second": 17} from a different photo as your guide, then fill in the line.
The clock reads {"hour": 12, "minute": 20, "second": 13}
